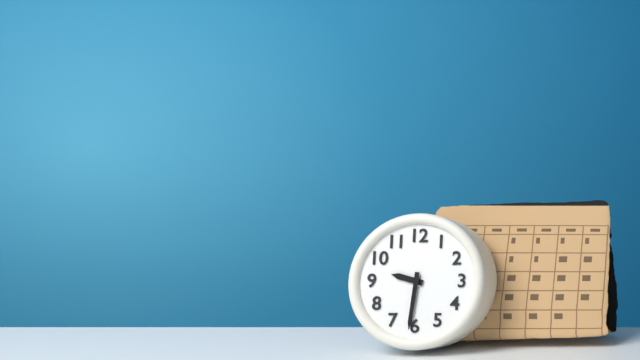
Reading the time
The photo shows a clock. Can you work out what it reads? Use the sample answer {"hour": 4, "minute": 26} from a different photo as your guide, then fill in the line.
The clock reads {"hour": 9, "minute": 31}
